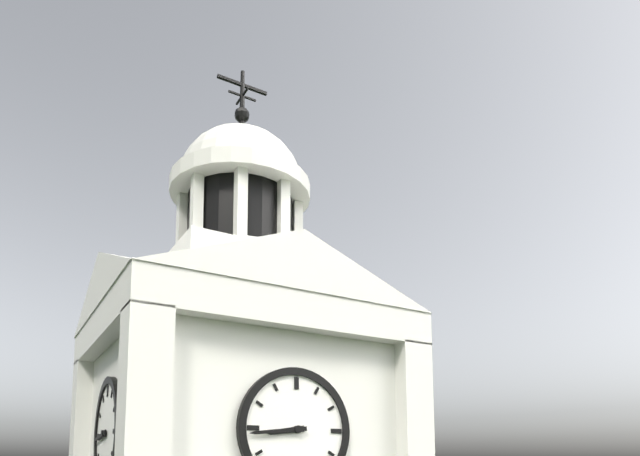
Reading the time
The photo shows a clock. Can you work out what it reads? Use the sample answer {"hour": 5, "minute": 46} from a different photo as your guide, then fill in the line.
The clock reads {"hour": 8, "minute": 44}
